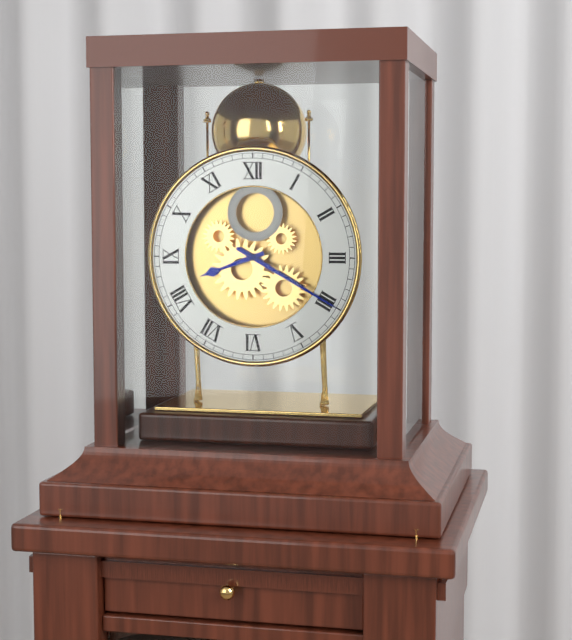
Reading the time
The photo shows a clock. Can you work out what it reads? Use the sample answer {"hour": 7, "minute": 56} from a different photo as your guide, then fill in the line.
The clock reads {"hour": 8, "minute": 20}
